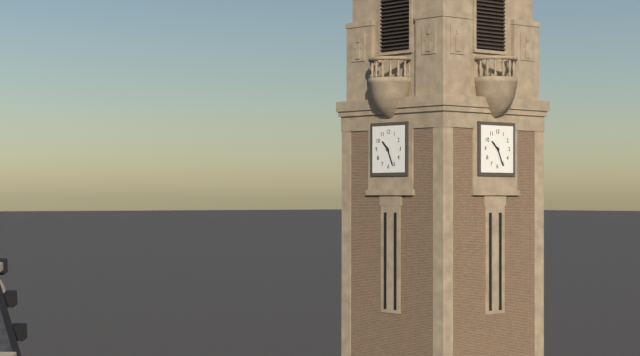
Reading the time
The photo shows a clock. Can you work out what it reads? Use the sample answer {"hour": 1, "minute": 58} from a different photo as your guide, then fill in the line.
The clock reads {"hour": 10, "minute": 26}
